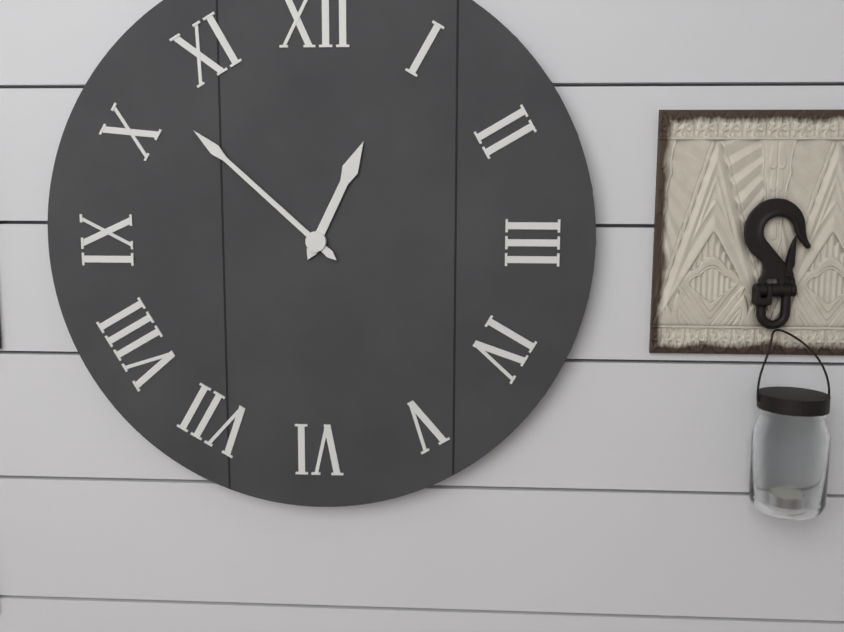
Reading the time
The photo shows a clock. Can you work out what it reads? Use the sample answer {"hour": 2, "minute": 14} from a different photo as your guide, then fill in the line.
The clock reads {"hour": 12, "minute": 52}
